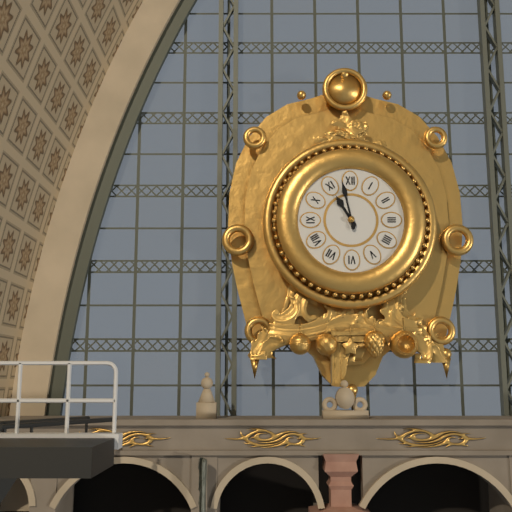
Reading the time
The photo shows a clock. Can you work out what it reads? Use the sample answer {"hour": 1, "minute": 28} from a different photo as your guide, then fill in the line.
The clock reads {"hour": 10, "minute": 58}
